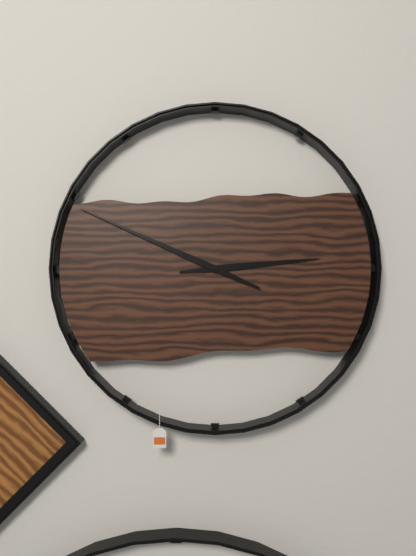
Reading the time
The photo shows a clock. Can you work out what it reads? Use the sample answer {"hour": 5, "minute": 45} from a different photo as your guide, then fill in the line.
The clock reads {"hour": 2, "minute": 49}
